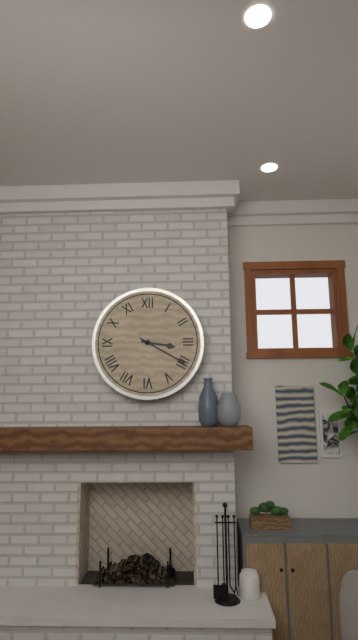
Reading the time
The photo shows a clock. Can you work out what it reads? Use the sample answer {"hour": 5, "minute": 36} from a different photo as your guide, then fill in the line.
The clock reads {"hour": 3, "minute": 20}
